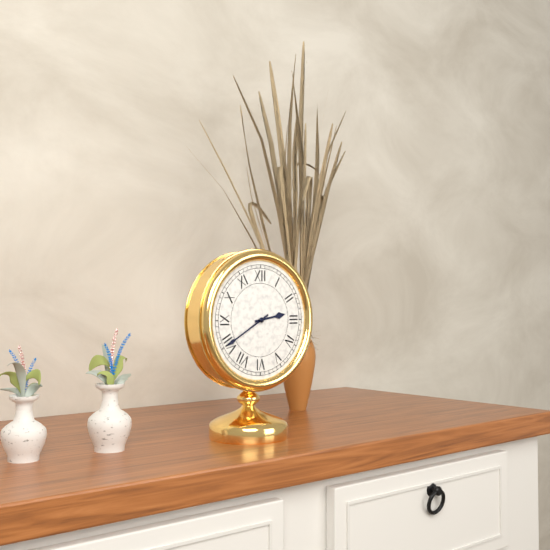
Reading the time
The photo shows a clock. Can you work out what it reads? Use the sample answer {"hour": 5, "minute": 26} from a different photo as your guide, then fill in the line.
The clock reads {"hour": 2, "minute": 40}
